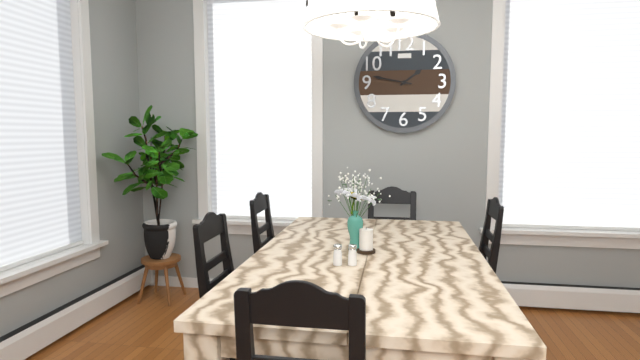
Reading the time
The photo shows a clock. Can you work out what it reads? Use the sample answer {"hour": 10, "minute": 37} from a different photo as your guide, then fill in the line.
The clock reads {"hour": 1, "minute": 47}
